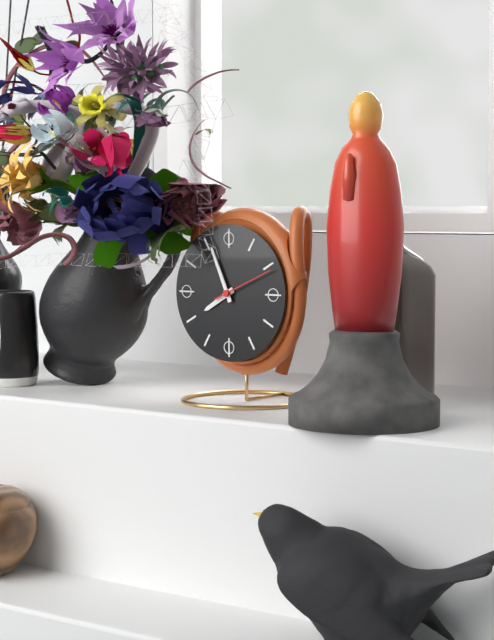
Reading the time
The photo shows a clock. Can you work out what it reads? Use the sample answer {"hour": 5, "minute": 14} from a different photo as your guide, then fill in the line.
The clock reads {"hour": 7, "minute": 56}
